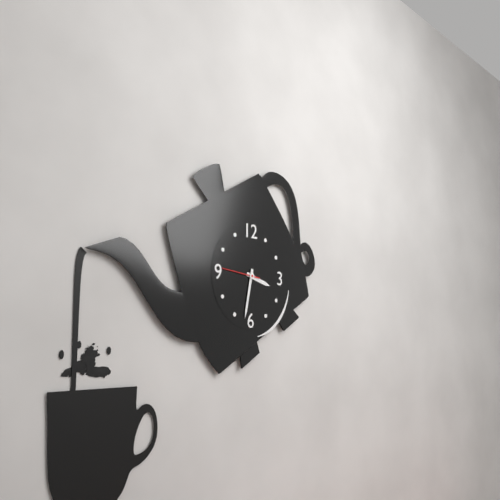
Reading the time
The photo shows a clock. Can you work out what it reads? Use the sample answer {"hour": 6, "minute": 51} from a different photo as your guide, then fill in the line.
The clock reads {"hour": 3, "minute": 32}
